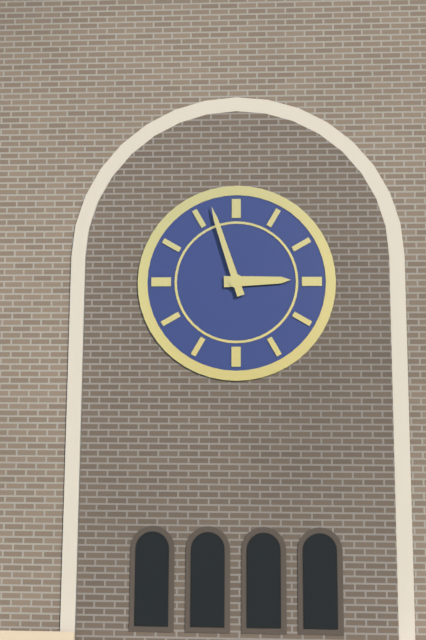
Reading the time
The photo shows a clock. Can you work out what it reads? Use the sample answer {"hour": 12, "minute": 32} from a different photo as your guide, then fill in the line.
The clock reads {"hour": 2, "minute": 57}
